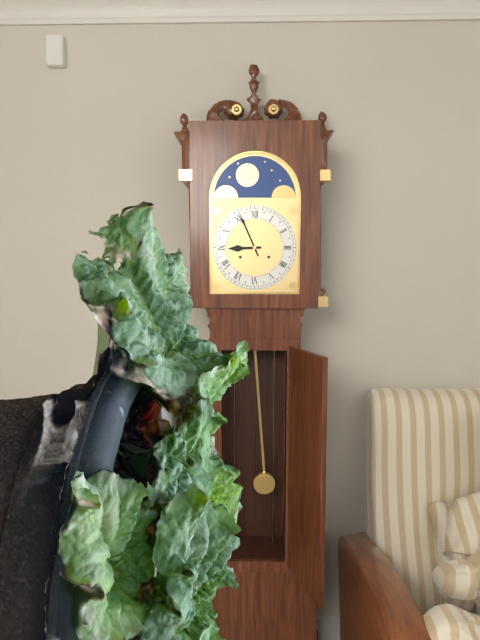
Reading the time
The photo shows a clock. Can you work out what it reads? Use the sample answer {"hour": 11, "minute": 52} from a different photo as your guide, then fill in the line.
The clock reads {"hour": 8, "minute": 56}
